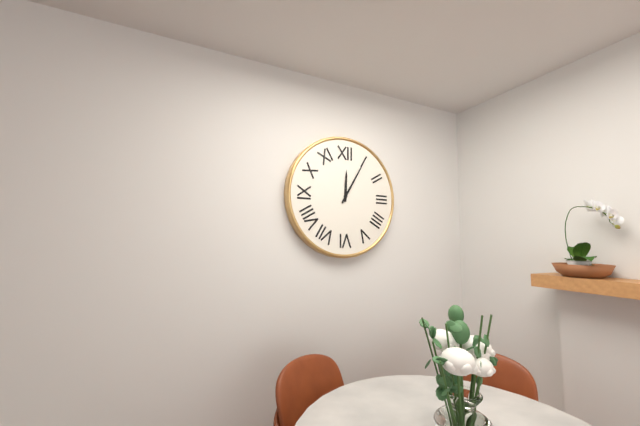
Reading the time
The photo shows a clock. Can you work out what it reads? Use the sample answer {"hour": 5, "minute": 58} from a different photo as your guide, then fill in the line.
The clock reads {"hour": 12, "minute": 5}
